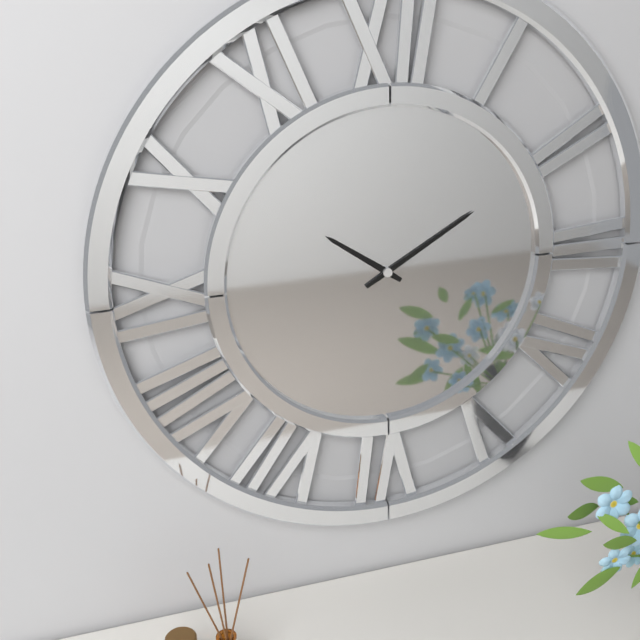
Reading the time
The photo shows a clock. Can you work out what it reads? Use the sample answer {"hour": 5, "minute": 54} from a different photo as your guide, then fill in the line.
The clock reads {"hour": 10, "minute": 10}
